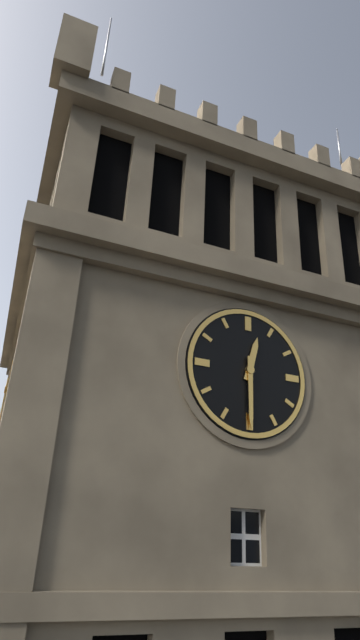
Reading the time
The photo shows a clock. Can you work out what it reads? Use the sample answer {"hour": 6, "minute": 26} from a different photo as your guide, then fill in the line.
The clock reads {"hour": 12, "minute": 30}
